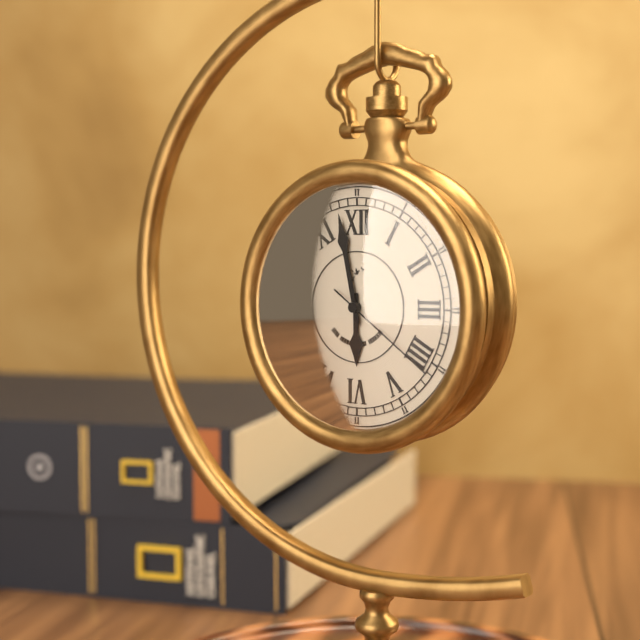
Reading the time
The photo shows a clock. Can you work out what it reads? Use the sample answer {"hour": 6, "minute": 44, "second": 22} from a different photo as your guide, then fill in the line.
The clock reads {"hour": 5, "minute": 58, "second": 21}
